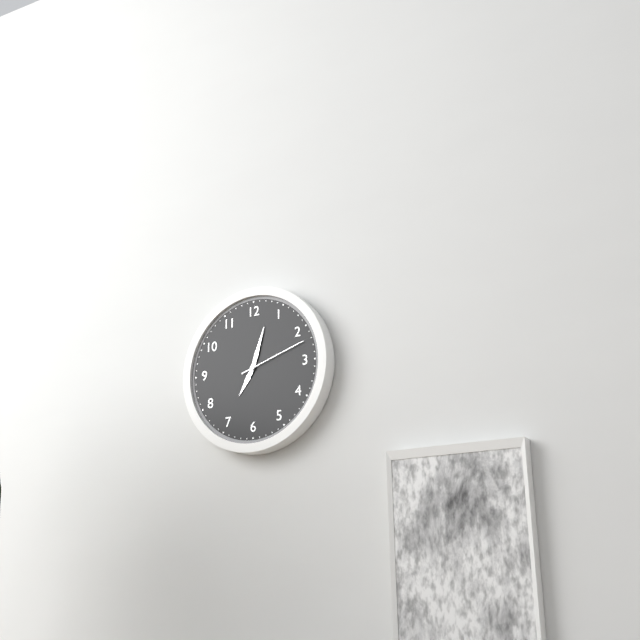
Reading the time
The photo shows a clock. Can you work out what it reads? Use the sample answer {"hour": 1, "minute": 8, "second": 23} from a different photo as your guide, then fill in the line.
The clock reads {"hour": 7, "minute": 3, "second": 12}
